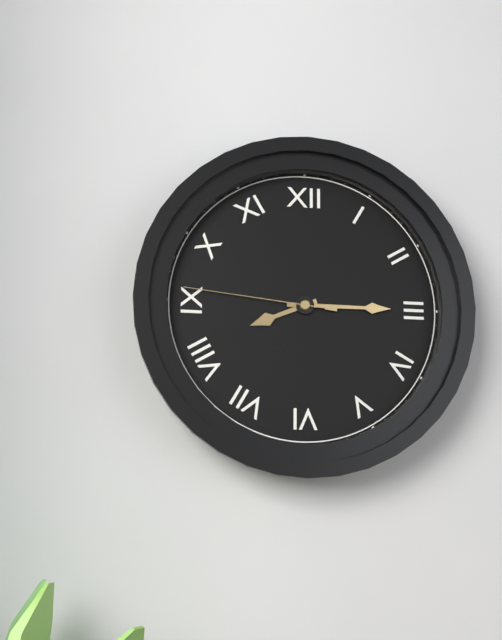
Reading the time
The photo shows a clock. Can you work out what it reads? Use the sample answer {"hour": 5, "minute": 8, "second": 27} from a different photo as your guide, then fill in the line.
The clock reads {"hour": 8, "minute": 15, "second": 46}
